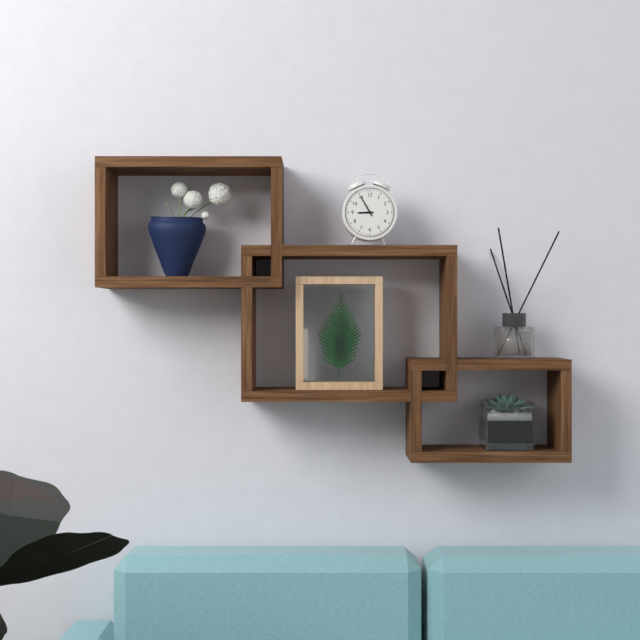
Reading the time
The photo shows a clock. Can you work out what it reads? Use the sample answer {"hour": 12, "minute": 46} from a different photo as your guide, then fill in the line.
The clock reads {"hour": 8, "minute": 55}
